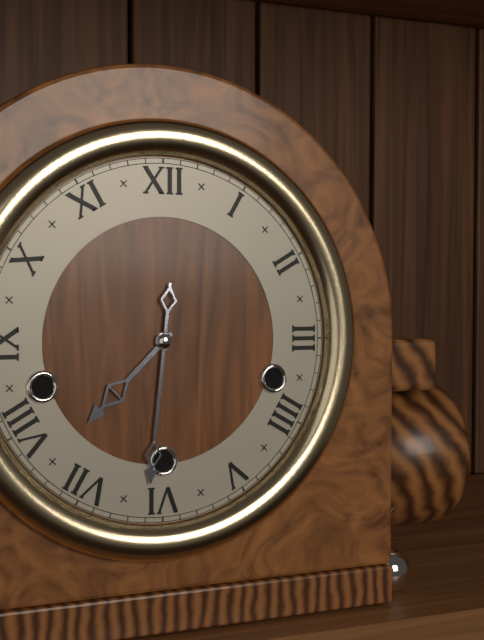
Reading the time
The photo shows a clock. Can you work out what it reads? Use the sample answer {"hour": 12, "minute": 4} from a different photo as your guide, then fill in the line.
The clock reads {"hour": 7, "minute": 31}
